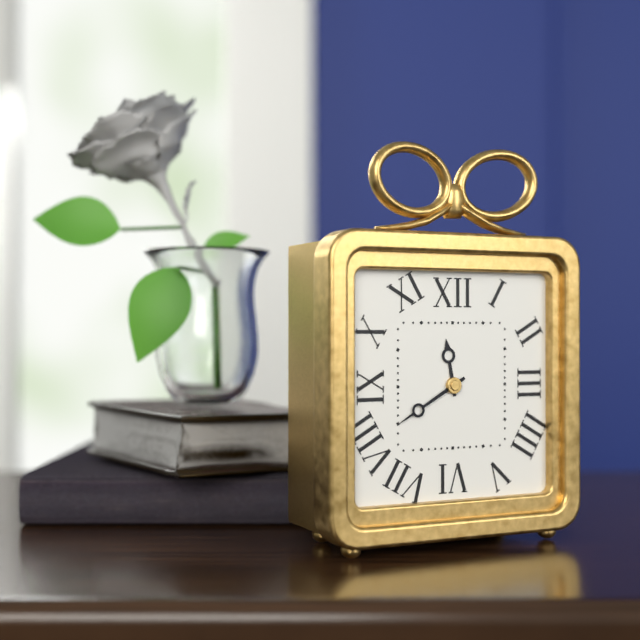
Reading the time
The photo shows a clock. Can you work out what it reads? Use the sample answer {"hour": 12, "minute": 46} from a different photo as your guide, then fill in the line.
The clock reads {"hour": 11, "minute": 40}
